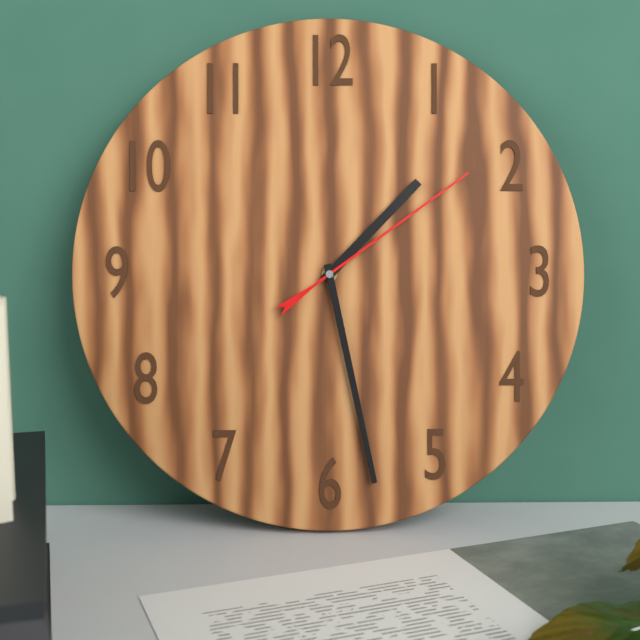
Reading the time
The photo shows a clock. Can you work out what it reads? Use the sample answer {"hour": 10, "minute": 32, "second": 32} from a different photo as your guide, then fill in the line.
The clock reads {"hour": 1, "minute": 28, "second": 9}
